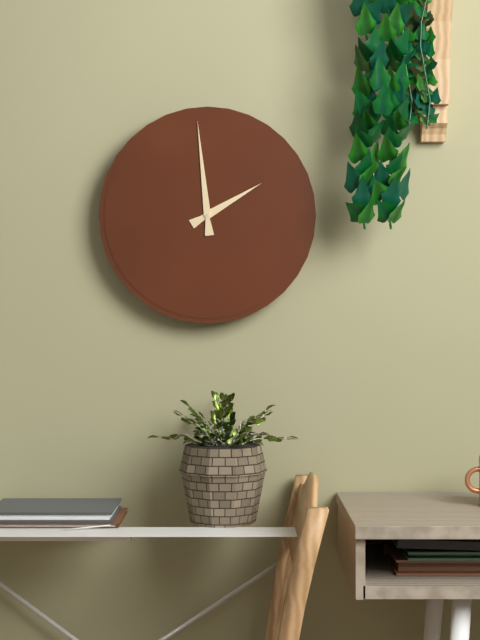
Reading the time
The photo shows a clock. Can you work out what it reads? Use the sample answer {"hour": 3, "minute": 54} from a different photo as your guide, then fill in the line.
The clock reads {"hour": 1, "minute": 59}
